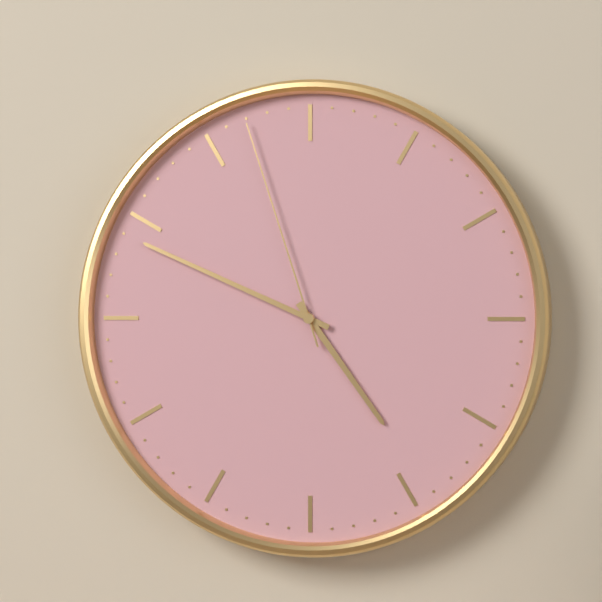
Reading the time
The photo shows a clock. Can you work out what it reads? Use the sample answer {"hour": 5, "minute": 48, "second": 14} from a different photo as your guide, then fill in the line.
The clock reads {"hour": 4, "minute": 49, "second": 57}
